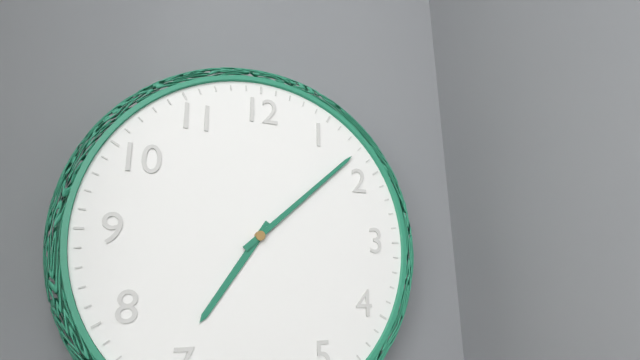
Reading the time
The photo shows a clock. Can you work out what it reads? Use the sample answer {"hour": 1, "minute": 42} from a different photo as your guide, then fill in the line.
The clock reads {"hour": 7, "minute": 8}
